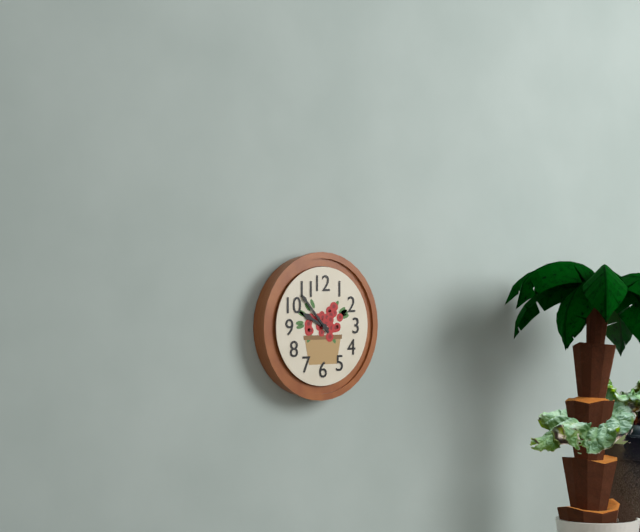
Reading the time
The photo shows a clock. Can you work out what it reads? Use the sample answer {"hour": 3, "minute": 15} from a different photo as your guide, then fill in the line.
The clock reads {"hour": 9, "minute": 53}
